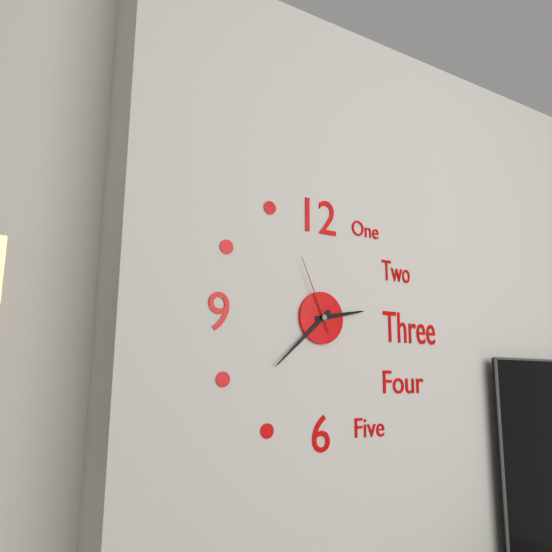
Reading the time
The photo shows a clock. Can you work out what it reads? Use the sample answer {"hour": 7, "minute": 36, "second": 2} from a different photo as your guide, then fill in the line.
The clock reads {"hour": 2, "minute": 38, "second": 56}
